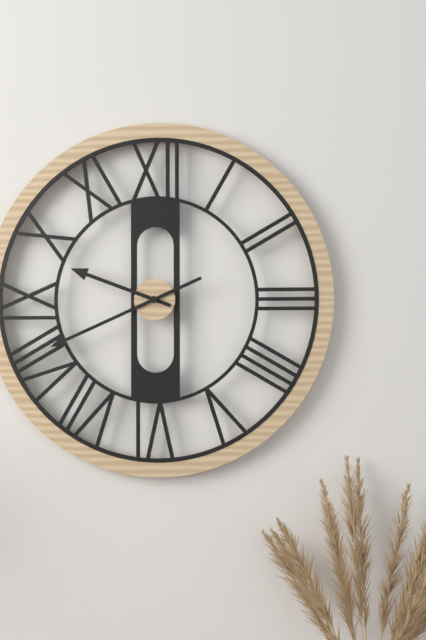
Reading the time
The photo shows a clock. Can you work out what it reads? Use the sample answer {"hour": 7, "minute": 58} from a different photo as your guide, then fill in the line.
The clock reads {"hour": 9, "minute": 41}
